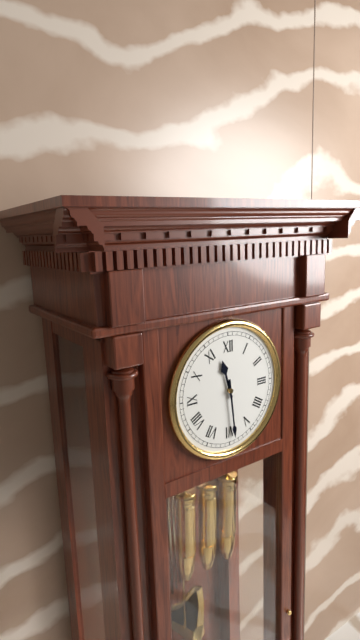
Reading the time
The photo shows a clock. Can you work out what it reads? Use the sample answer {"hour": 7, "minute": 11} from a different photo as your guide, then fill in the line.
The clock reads {"hour": 11, "minute": 29}
